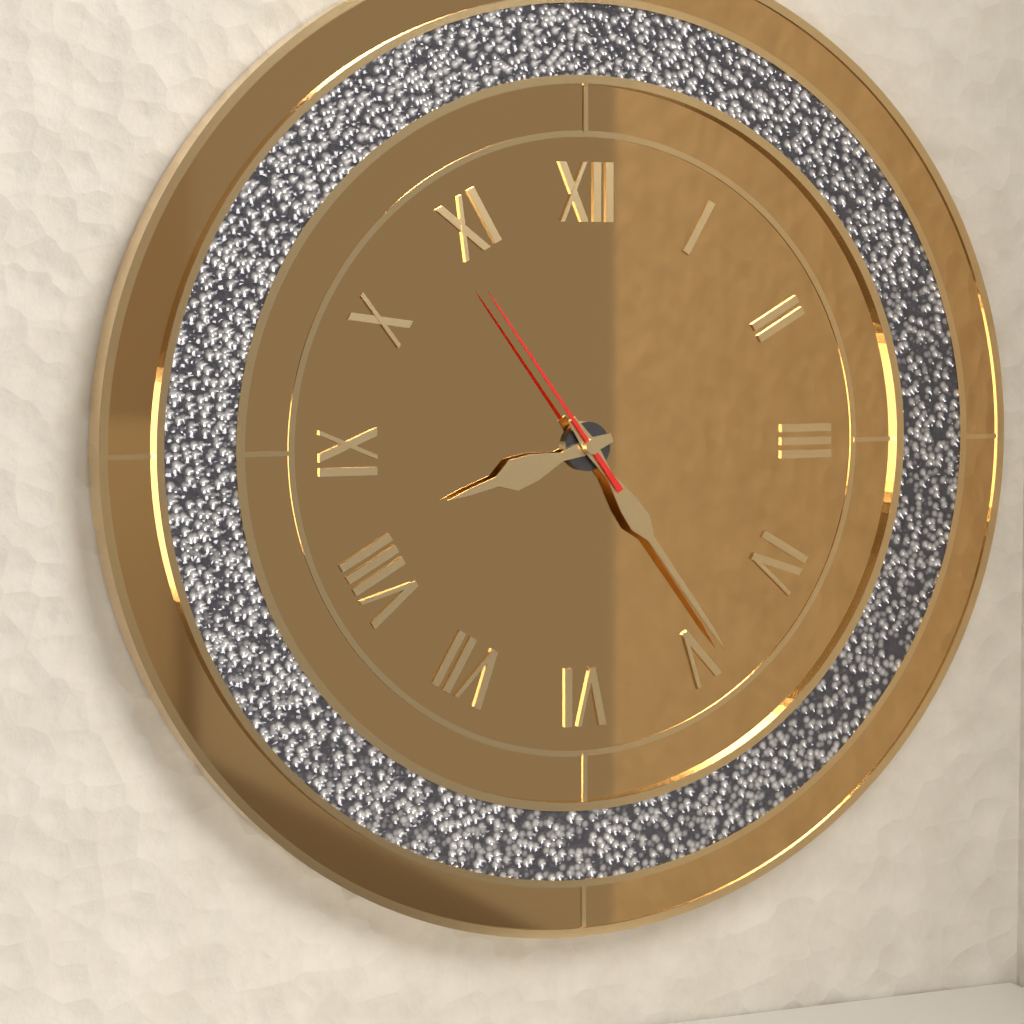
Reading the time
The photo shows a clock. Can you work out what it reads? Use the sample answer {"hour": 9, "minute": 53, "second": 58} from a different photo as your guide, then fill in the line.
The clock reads {"hour": 8, "minute": 24, "second": 54}
